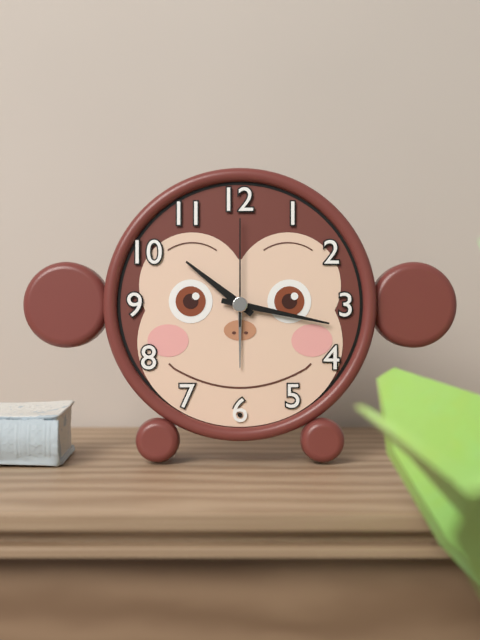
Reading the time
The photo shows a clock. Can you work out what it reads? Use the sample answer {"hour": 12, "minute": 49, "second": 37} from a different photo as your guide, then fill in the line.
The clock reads {"hour": 10, "minute": 17, "second": 0}
